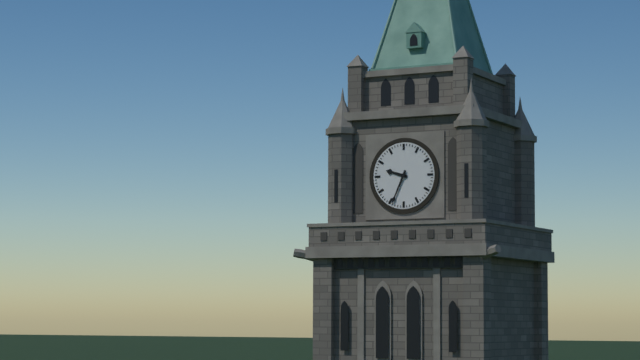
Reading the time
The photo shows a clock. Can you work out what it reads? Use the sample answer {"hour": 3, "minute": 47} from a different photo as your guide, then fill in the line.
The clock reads {"hour": 9, "minute": 34}
